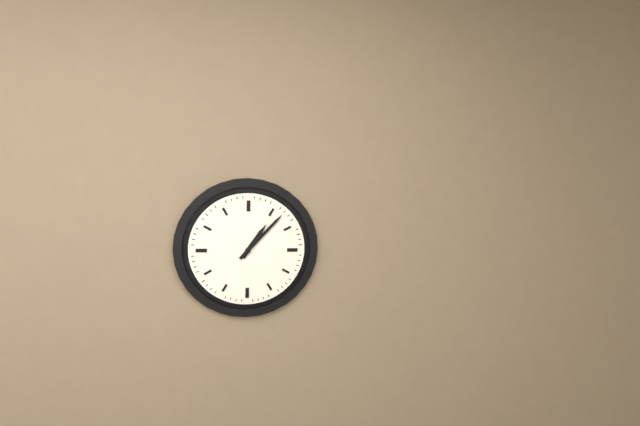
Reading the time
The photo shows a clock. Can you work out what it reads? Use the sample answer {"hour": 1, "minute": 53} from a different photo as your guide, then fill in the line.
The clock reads {"hour": 1, "minute": 7}
